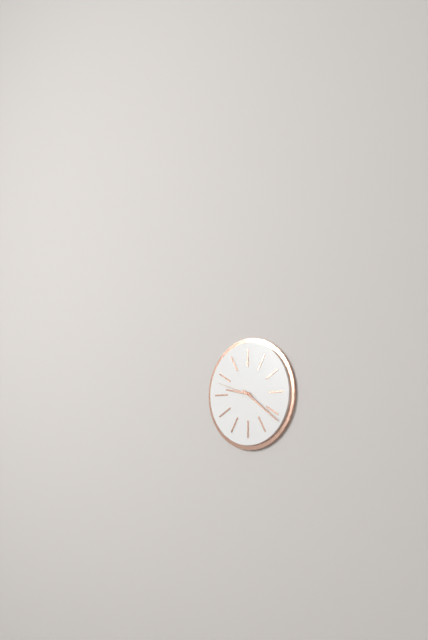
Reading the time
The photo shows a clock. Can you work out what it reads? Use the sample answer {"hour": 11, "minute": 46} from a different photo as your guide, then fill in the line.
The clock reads {"hour": 9, "minute": 21}
